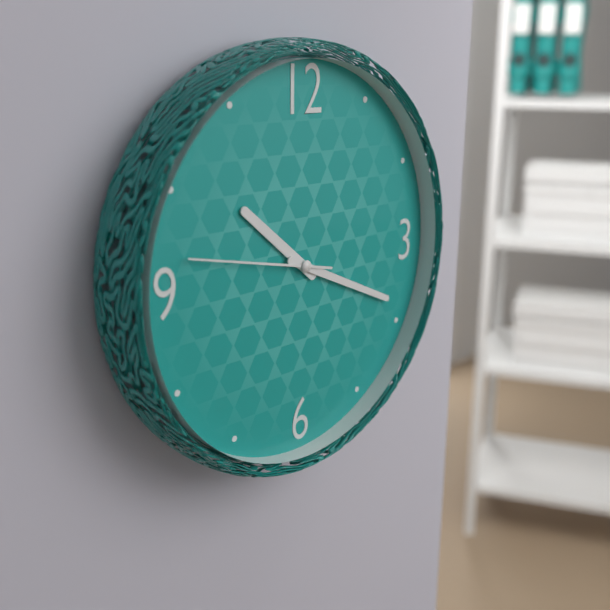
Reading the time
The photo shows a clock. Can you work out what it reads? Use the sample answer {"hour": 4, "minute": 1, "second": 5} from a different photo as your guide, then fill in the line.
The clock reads {"hour": 10, "minute": 19, "second": 47}
